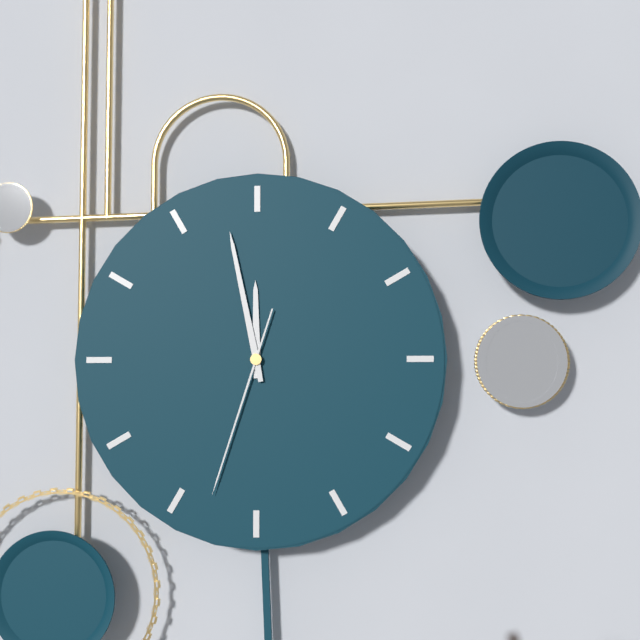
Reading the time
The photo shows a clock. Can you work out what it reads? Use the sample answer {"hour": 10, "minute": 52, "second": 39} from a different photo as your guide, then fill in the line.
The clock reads {"hour": 11, "minute": 58, "second": 33}
